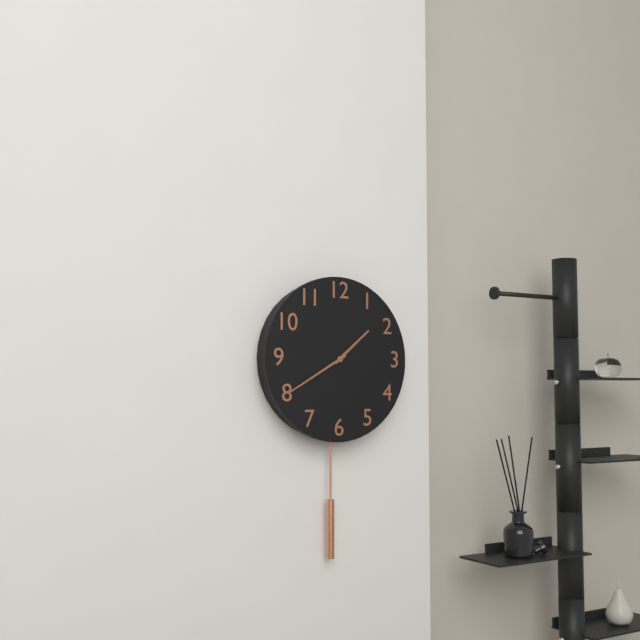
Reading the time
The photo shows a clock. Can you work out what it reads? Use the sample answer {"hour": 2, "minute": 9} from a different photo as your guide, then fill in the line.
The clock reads {"hour": 1, "minute": 40}
